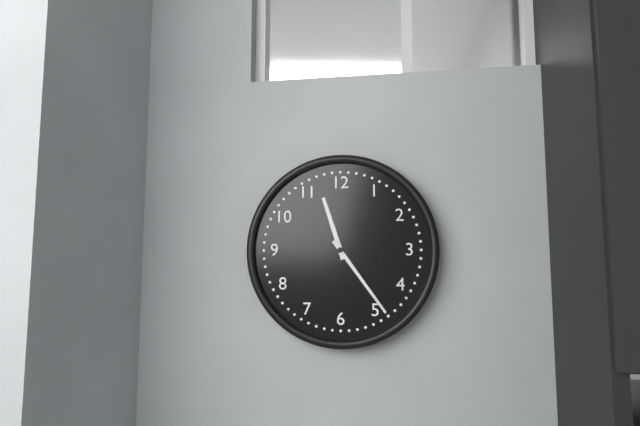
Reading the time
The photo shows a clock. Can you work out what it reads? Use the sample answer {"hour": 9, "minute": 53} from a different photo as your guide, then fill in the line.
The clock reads {"hour": 11, "minute": 24}
